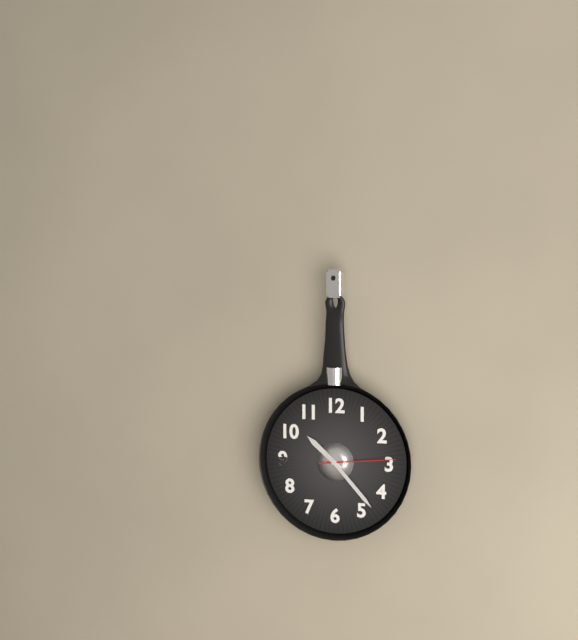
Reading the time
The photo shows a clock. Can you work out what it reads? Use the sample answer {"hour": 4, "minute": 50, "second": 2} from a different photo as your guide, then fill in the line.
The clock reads {"hour": 10, "minute": 23, "second": 14}
